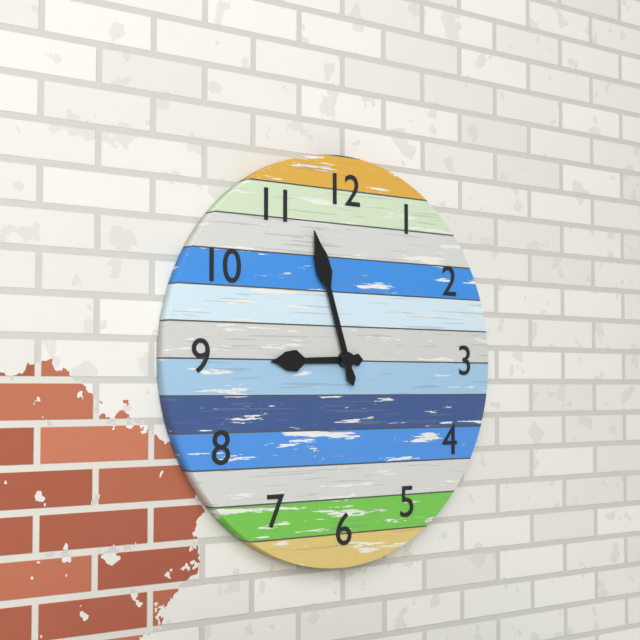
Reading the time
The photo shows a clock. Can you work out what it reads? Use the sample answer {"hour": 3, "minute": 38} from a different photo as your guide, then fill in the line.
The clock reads {"hour": 8, "minute": 57}
